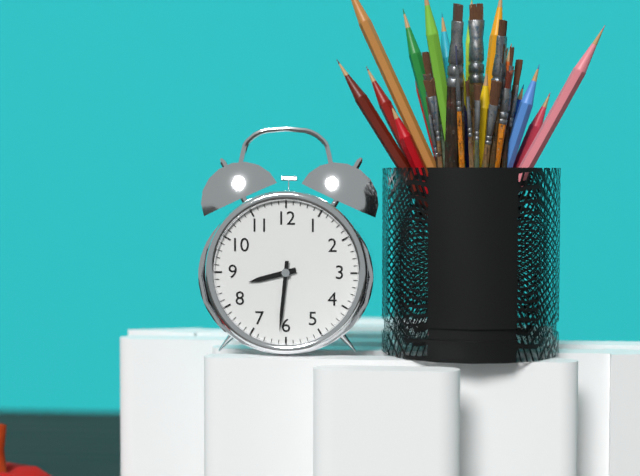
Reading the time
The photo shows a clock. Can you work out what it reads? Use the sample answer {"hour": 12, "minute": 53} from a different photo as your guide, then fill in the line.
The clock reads {"hour": 8, "minute": 31}
